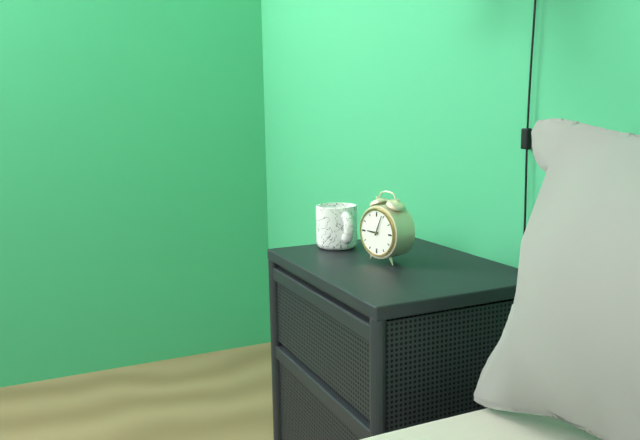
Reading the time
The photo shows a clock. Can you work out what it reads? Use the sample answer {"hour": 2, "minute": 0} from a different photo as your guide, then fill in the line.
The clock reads {"hour": 9, "minute": 4}
